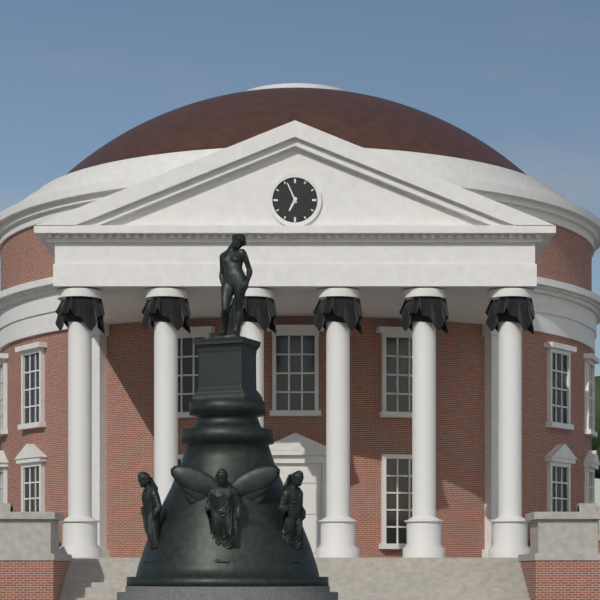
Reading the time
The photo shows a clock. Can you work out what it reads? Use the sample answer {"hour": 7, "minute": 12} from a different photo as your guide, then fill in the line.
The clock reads {"hour": 6, "minute": 56}
